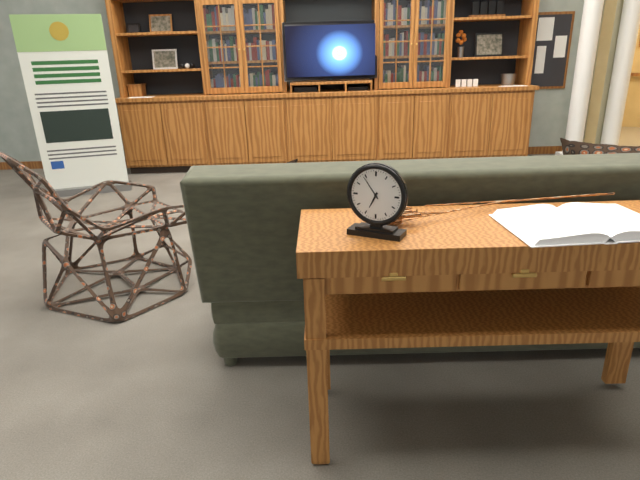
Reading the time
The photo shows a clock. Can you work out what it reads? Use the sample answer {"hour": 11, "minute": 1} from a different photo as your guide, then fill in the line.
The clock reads {"hour": 6, "minute": 54}
